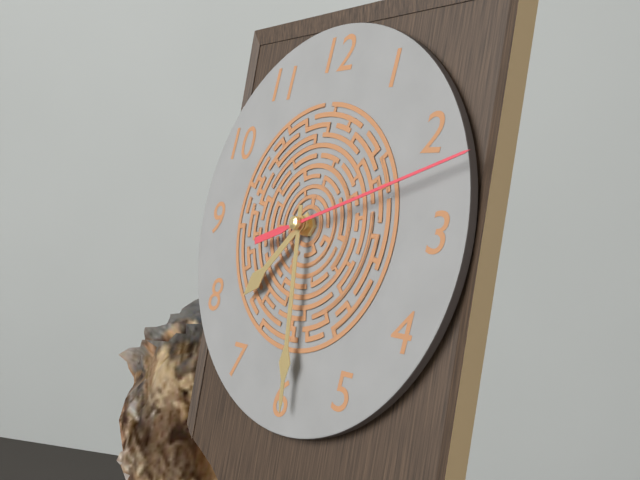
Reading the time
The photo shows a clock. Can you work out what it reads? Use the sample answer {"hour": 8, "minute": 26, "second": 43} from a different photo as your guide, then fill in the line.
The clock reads {"hour": 7, "minute": 29, "second": 12}
